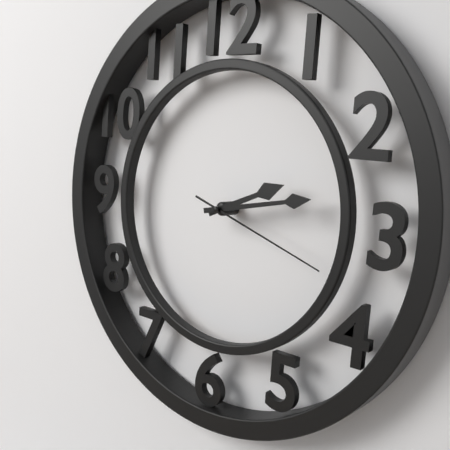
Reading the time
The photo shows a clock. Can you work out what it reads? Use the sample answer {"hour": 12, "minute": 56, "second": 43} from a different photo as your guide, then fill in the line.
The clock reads {"hour": 2, "minute": 13, "second": 18}
